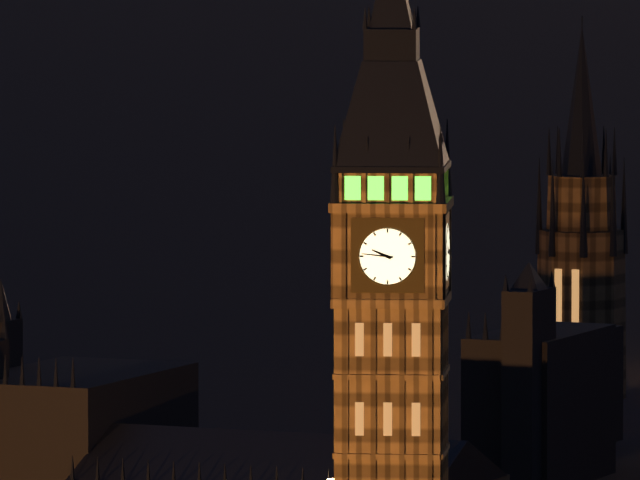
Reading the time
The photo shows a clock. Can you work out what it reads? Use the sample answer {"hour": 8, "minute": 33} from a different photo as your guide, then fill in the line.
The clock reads {"hour": 9, "minute": 46}
